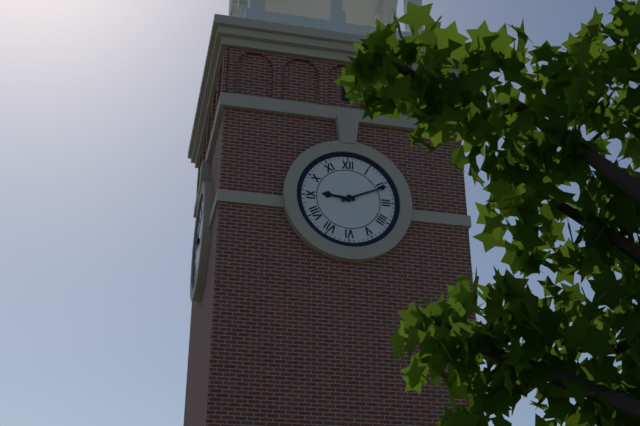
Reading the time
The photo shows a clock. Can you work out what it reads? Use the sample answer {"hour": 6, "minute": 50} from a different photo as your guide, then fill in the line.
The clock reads {"hour": 9, "minute": 11}
